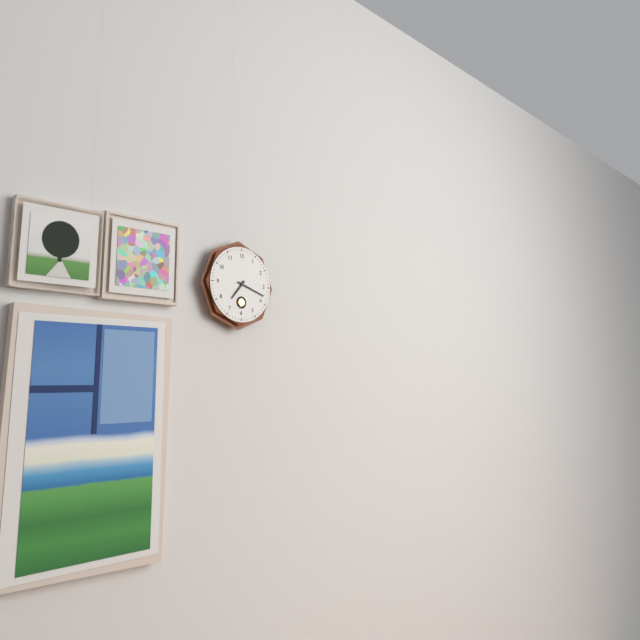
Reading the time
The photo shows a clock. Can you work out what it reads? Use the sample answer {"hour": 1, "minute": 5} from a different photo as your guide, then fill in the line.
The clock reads {"hour": 7, "minute": 18}
